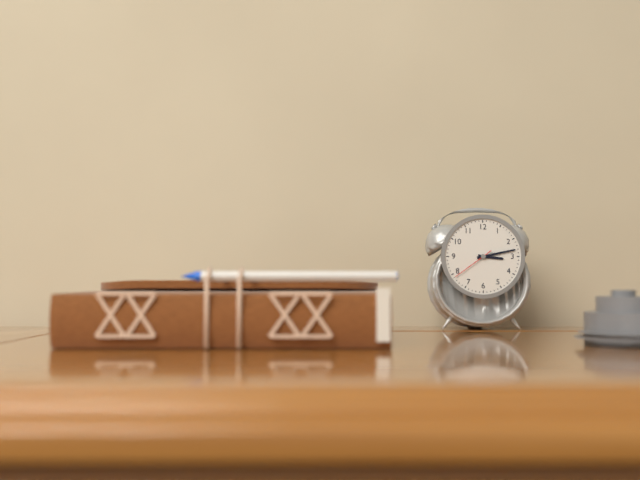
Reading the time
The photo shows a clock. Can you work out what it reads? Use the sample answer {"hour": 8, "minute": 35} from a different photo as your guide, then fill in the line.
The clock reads {"hour": 3, "minute": 13}
